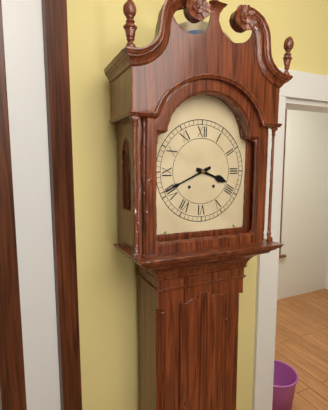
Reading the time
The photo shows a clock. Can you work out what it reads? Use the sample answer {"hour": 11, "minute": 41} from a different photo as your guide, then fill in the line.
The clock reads {"hour": 3, "minute": 41}
